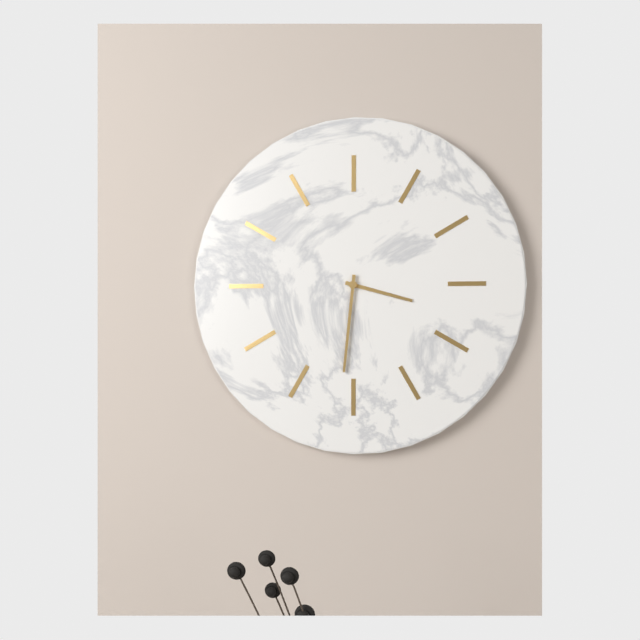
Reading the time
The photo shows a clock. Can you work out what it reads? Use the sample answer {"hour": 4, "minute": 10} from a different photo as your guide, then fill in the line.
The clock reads {"hour": 3, "minute": 31}
